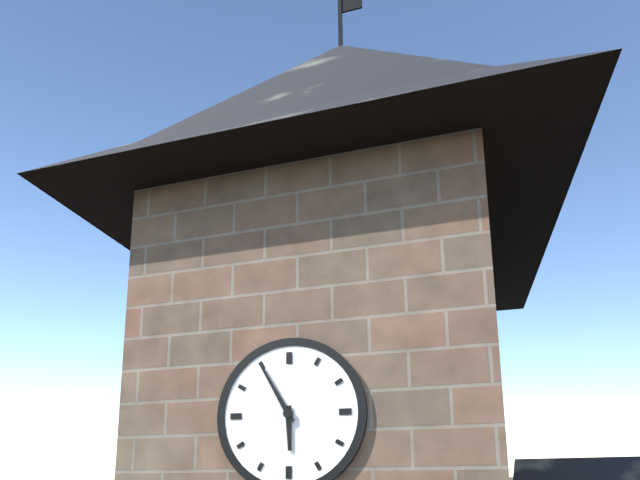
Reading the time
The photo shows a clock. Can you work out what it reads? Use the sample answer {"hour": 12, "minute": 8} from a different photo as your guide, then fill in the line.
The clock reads {"hour": 5, "minute": 55}
